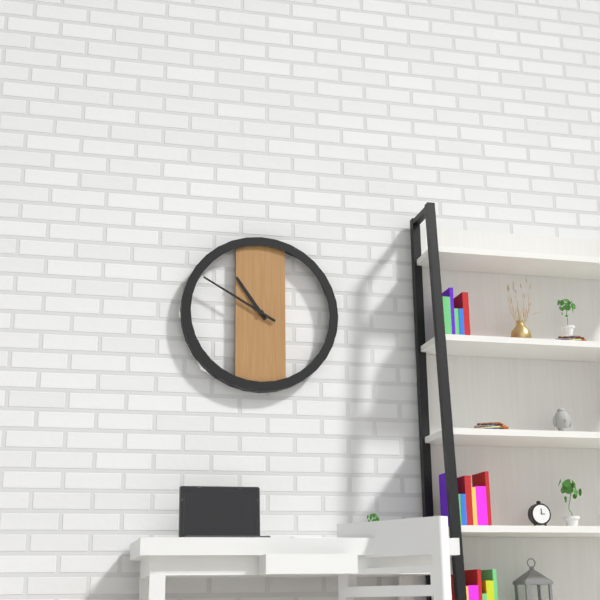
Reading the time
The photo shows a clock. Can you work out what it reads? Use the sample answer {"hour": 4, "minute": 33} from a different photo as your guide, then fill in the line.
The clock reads {"hour": 10, "minute": 50}
